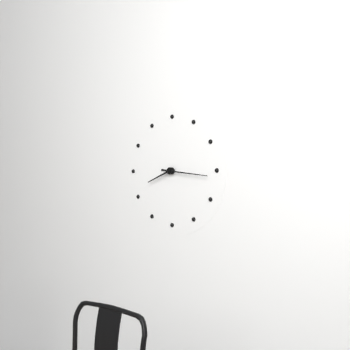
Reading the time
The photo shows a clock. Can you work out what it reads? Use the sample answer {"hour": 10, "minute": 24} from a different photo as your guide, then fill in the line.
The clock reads {"hour": 8, "minute": 16}
